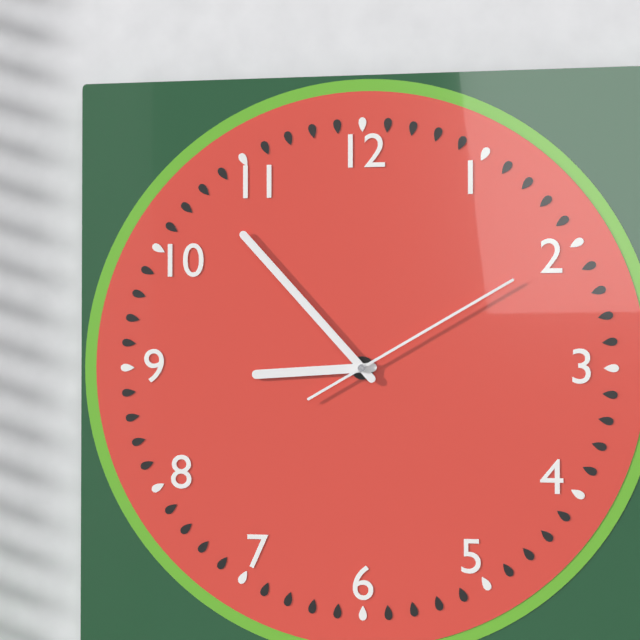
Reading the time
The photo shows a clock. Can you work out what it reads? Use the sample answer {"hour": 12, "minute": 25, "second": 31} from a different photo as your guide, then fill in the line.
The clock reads {"hour": 8, "minute": 53, "second": 10}
